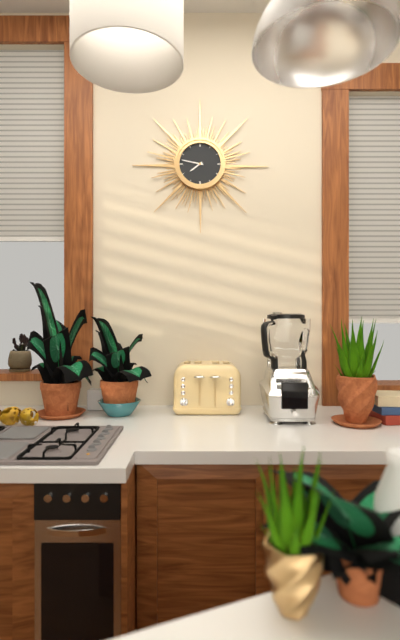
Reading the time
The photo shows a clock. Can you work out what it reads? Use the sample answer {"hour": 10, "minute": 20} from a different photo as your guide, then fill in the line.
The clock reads {"hour": 7, "minute": 47}
